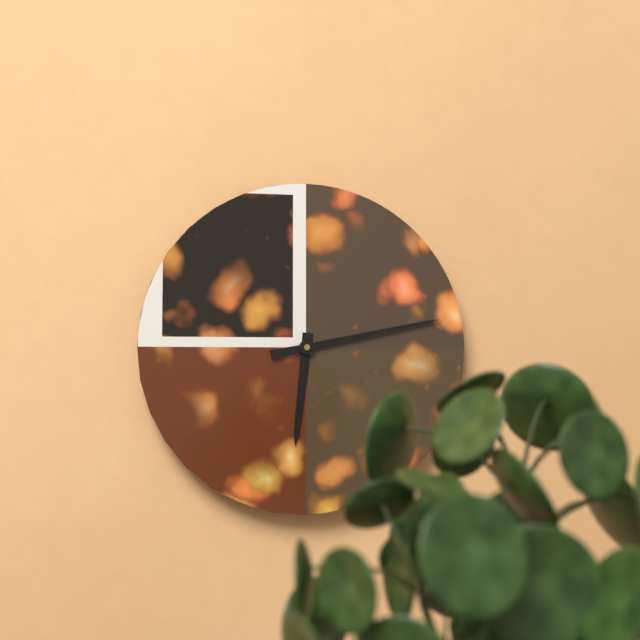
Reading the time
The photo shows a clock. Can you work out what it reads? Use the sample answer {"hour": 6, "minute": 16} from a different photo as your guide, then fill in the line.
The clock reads {"hour": 6, "minute": 13}
